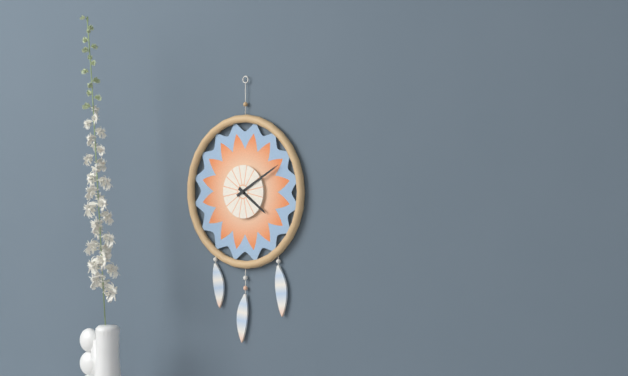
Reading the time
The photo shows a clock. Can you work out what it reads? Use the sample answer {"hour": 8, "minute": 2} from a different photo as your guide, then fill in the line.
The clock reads {"hour": 4, "minute": 10}
